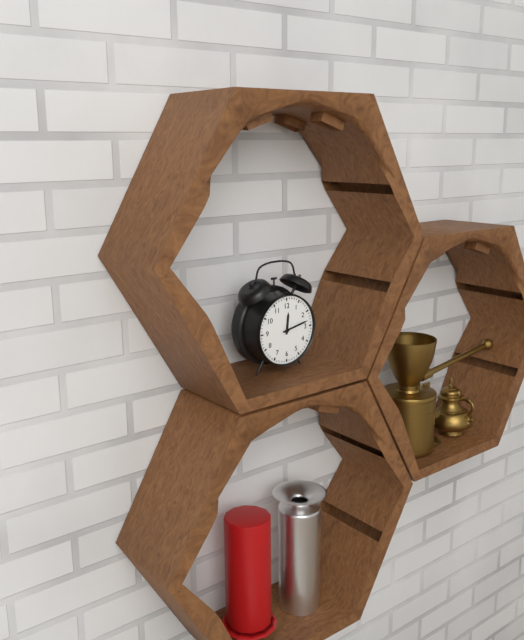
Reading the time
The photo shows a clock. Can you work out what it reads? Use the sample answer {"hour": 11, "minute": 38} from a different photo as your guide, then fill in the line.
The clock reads {"hour": 12, "minute": 13}
